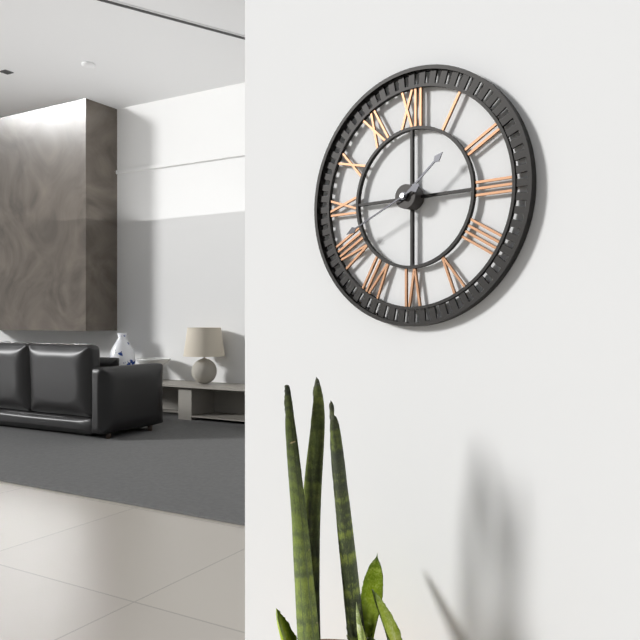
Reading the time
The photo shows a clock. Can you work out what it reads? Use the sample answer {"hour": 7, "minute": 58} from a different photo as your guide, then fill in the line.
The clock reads {"hour": 1, "minute": 41}
